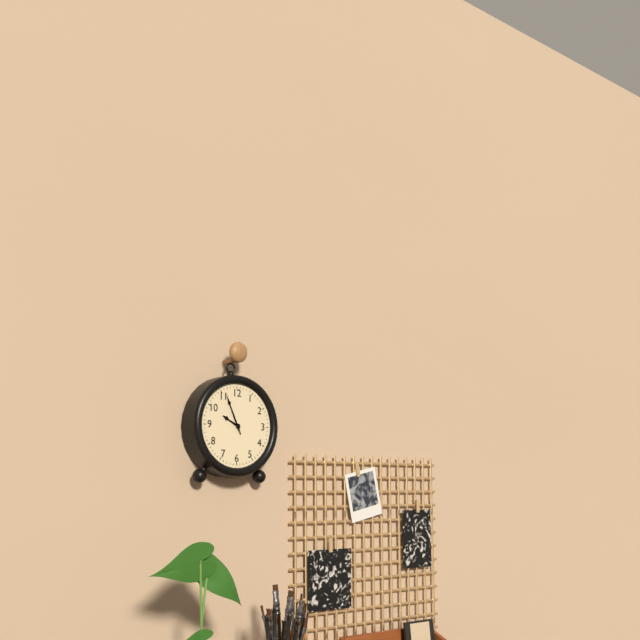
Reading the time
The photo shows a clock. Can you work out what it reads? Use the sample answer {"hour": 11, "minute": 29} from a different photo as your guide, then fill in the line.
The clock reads {"hour": 9, "minute": 56}
